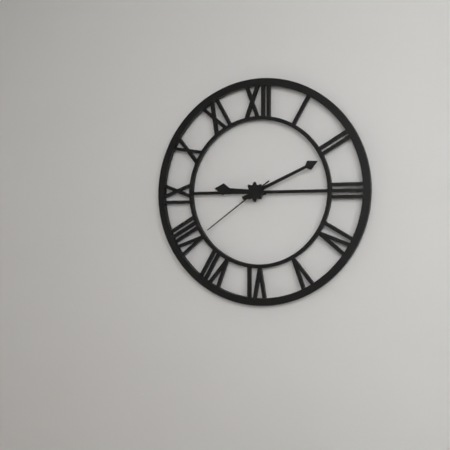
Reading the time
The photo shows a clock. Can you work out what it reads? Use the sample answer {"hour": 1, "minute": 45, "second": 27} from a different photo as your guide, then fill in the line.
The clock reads {"hour": 9, "minute": 11, "second": 39}
